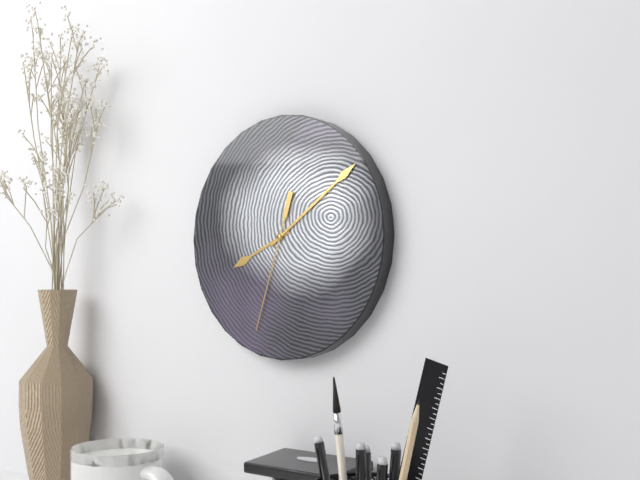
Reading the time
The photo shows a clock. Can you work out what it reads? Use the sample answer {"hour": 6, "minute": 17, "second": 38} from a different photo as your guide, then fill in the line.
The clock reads {"hour": 8, "minute": 9, "second": 33}
